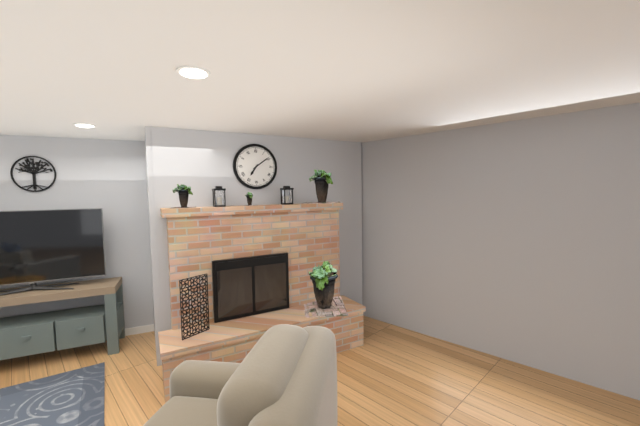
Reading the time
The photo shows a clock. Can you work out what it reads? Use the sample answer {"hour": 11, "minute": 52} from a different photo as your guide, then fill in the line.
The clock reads {"hour": 7, "minute": 9}
